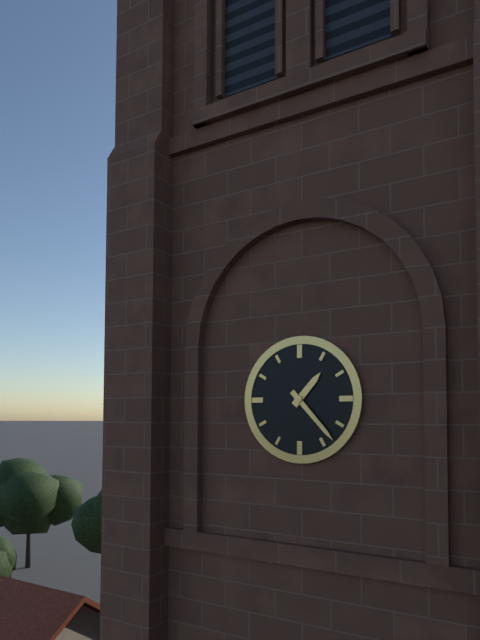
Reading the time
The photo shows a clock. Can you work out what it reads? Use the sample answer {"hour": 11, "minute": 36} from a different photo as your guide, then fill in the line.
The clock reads {"hour": 1, "minute": 23}
